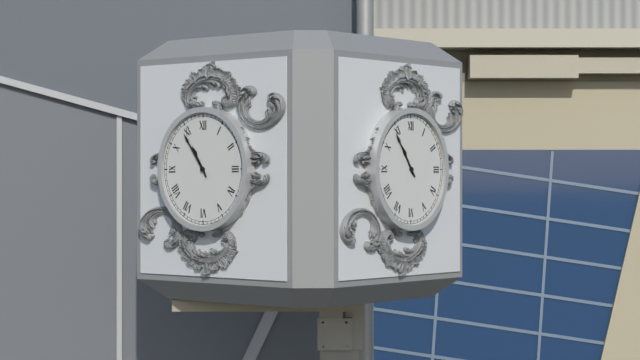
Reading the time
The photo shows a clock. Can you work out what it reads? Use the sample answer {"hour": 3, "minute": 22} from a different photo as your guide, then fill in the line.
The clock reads {"hour": 10, "minute": 54}
